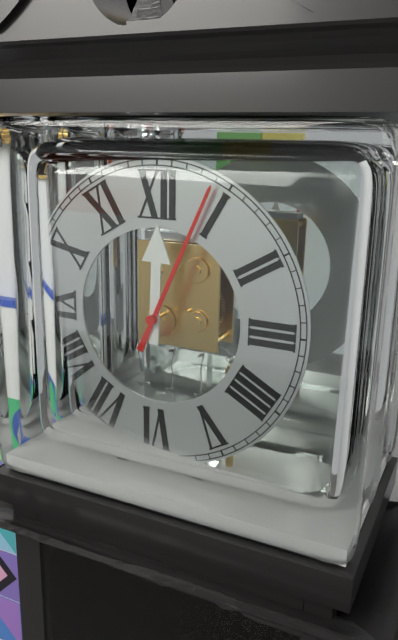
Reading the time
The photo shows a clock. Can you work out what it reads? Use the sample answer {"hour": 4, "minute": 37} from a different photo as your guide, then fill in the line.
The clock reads {"hour": 12, "minute": 4}
